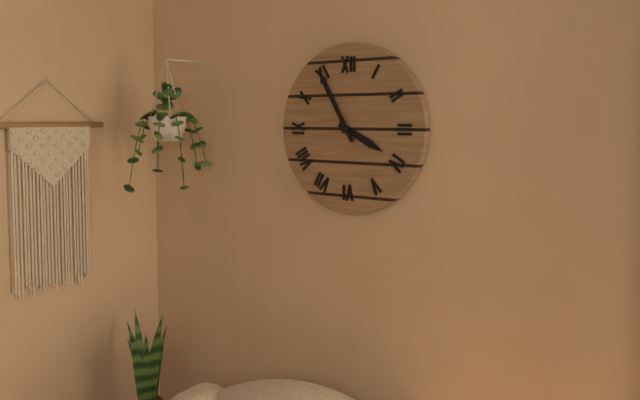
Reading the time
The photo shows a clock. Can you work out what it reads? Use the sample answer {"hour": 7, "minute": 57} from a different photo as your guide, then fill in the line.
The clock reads {"hour": 3, "minute": 55}
